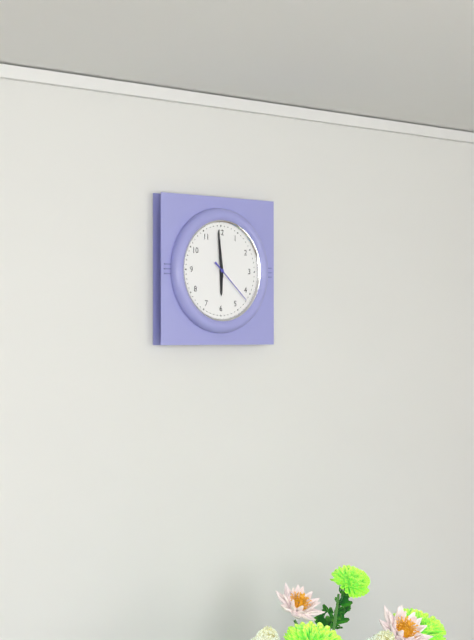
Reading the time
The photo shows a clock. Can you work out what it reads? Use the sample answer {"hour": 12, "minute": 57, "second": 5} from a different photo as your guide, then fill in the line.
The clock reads {"hour": 5, "minute": 59, "second": 22}
